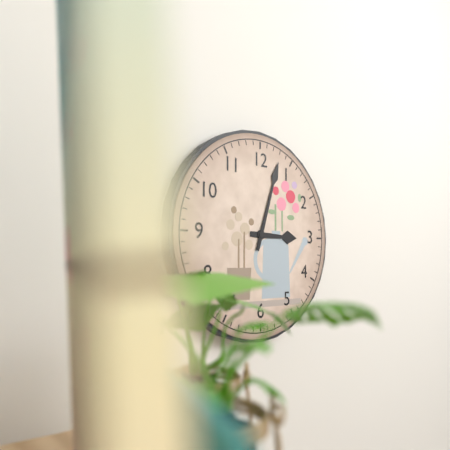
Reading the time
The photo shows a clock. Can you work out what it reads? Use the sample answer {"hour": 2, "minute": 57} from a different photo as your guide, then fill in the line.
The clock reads {"hour": 3, "minute": 3}
